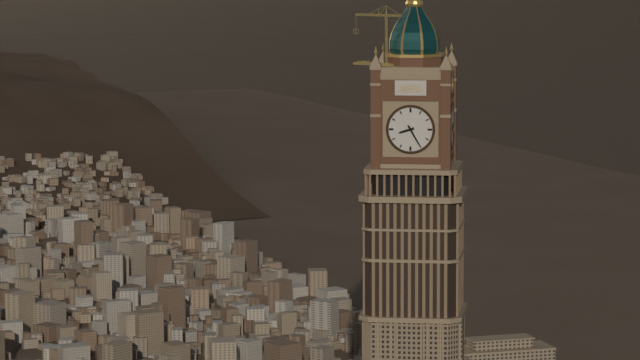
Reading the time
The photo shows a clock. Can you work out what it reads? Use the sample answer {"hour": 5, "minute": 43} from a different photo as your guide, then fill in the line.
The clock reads {"hour": 8, "minute": 25}
